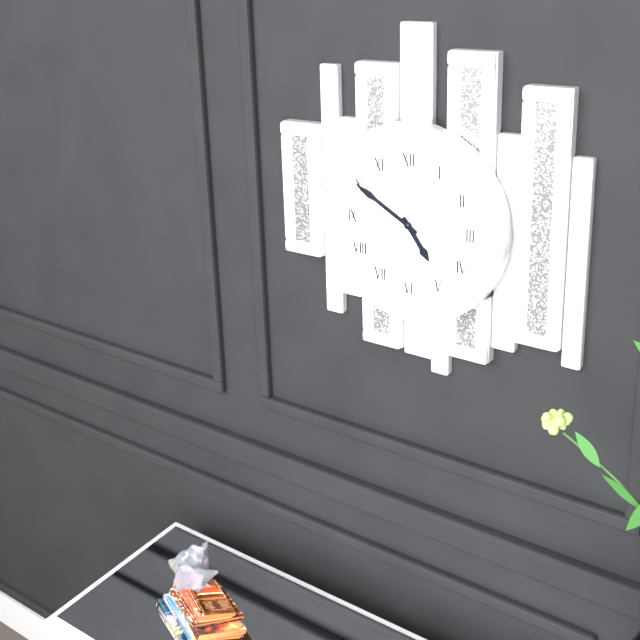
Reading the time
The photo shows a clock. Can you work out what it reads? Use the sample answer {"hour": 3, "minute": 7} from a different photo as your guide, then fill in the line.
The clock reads {"hour": 4, "minute": 50}
